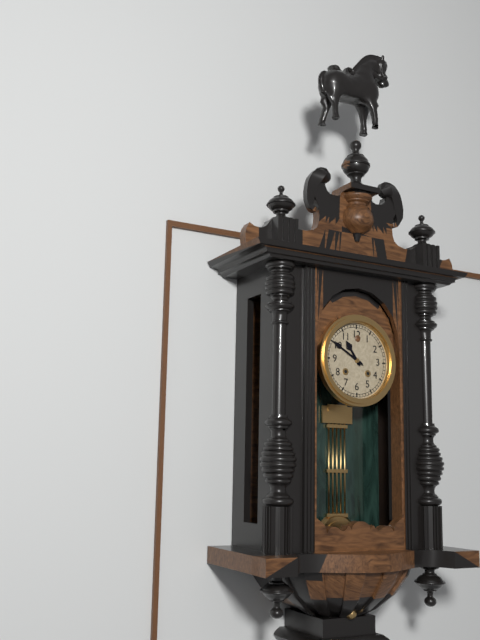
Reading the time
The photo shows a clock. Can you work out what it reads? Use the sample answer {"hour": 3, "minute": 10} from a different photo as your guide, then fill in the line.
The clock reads {"hour": 10, "minute": 50}
